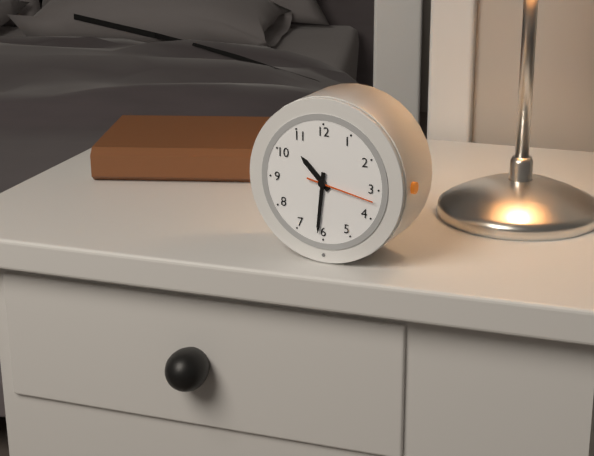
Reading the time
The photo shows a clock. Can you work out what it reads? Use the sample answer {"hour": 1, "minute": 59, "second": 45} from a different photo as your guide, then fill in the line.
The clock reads {"hour": 10, "minute": 31, "second": 17}
